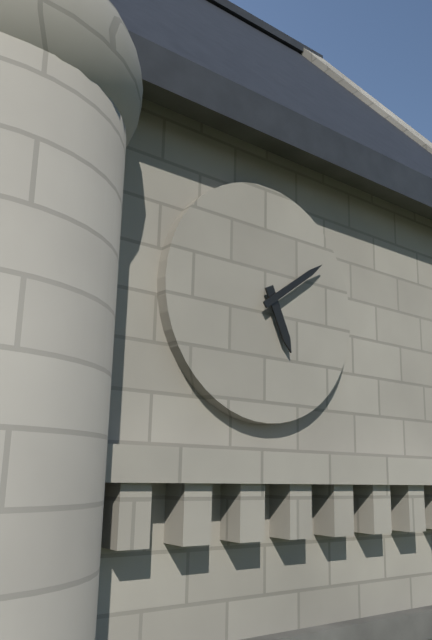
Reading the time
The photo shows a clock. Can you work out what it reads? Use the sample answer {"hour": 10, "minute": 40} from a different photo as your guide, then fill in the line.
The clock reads {"hour": 5, "minute": 9}
